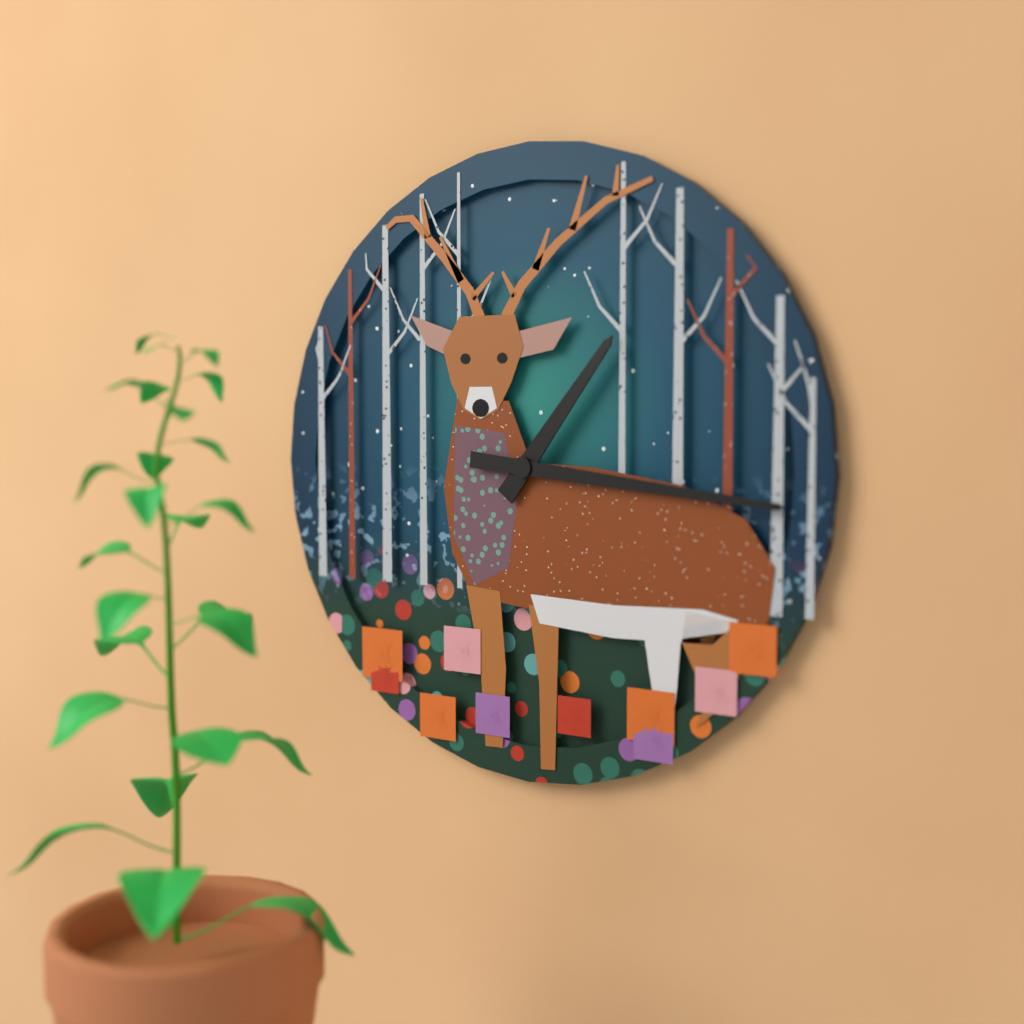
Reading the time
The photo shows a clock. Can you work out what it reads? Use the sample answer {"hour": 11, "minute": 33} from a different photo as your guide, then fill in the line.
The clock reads {"hour": 1, "minute": 16}
